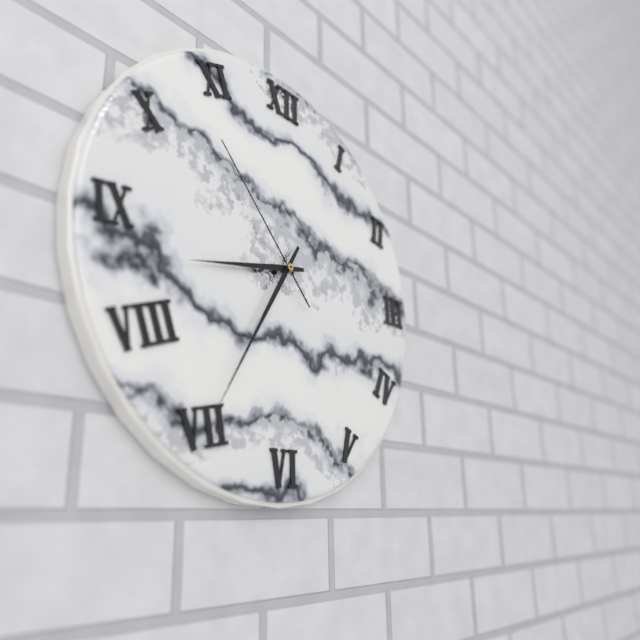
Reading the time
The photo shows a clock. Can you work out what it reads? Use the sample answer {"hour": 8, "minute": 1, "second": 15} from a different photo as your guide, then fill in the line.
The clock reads {"hour": 8, "minute": 35, "second": 53}
